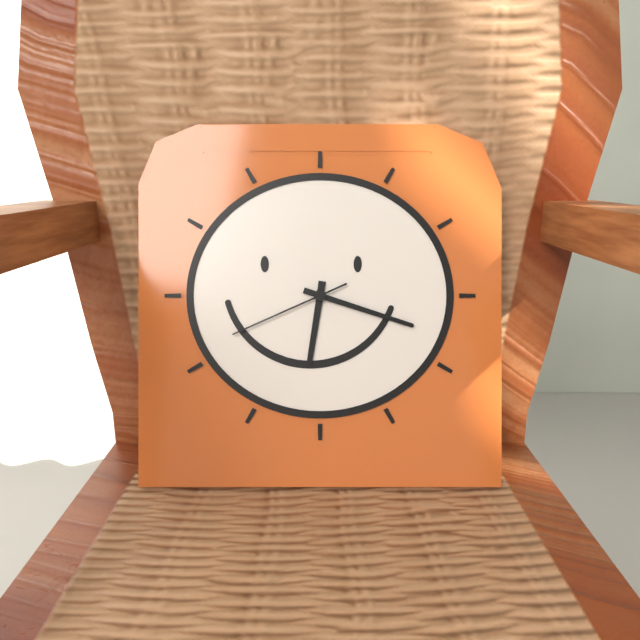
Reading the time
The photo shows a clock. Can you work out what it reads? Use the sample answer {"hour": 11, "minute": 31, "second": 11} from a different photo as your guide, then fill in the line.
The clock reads {"hour": 6, "minute": 18, "second": 41}
